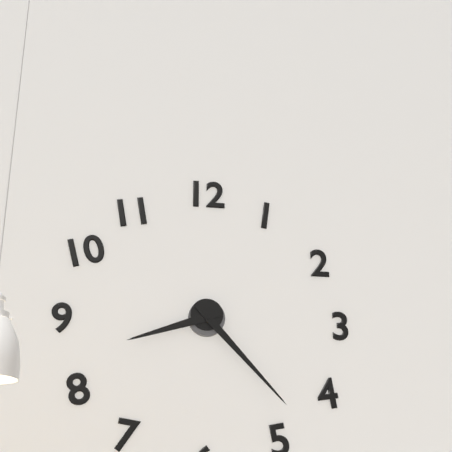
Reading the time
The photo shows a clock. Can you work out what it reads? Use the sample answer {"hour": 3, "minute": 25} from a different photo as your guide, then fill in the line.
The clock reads {"hour": 8, "minute": 23}
